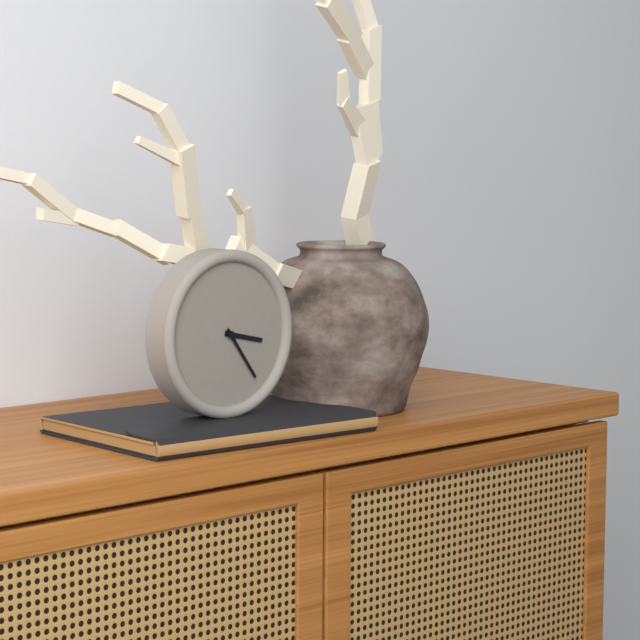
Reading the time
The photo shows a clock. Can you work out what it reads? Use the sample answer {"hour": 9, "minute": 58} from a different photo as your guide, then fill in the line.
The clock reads {"hour": 3, "minute": 24}
